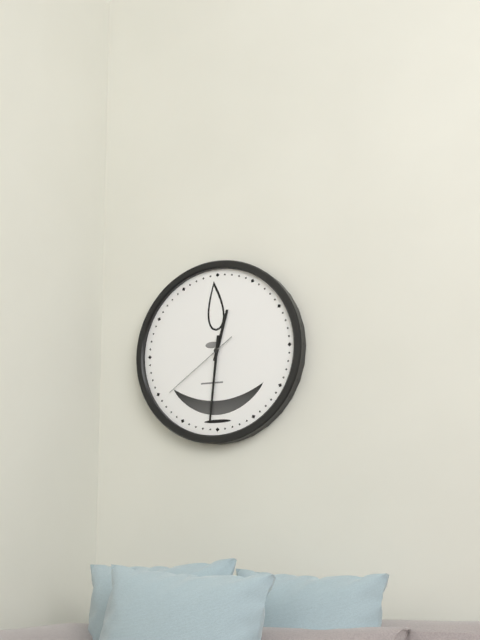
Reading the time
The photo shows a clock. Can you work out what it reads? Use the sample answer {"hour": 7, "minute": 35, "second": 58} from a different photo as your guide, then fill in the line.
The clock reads {"hour": 12, "minute": 31, "second": 39}
